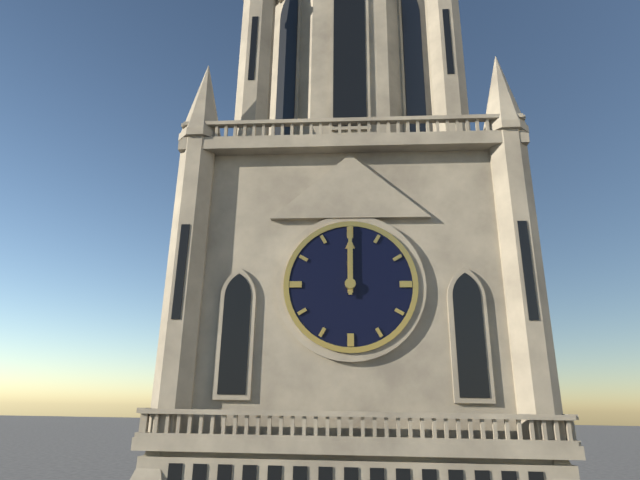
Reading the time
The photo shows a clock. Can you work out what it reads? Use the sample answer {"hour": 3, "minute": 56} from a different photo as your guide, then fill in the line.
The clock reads {"hour": 12, "minute": 0}
